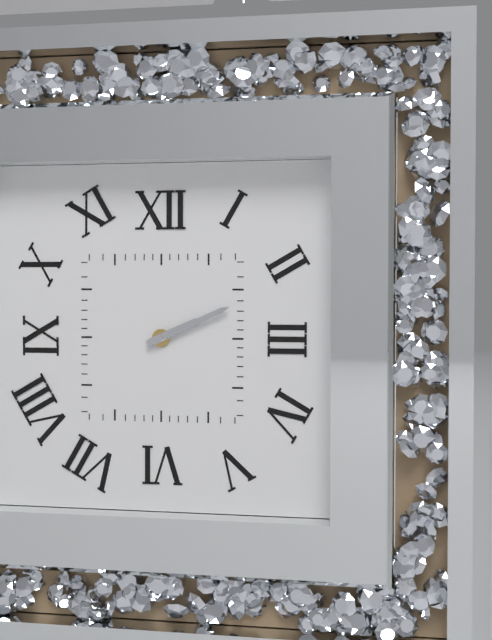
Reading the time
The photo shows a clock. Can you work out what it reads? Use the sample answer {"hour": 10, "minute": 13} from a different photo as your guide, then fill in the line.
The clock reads {"hour": 2, "minute": 11}
